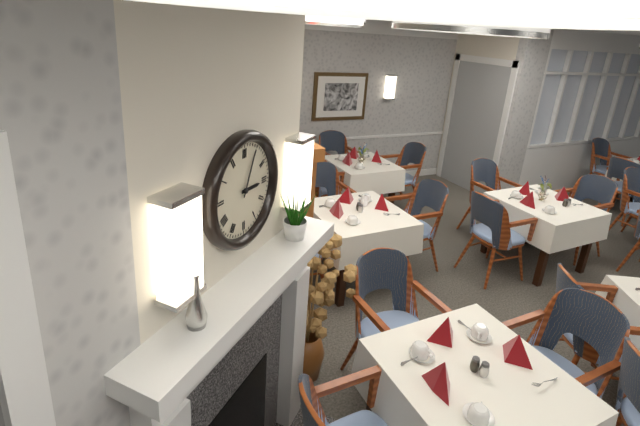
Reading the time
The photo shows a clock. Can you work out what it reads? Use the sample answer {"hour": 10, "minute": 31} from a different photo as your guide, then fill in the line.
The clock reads {"hour": 3, "minute": 4}
